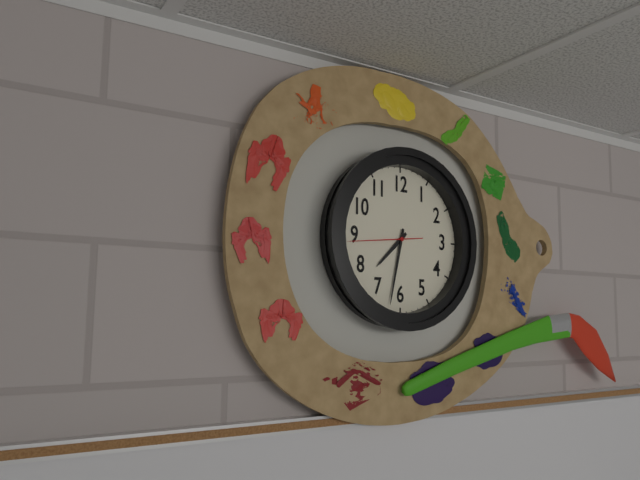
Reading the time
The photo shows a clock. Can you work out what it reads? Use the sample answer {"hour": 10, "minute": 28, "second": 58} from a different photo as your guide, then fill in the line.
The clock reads {"hour": 7, "minute": 32, "second": 44}
